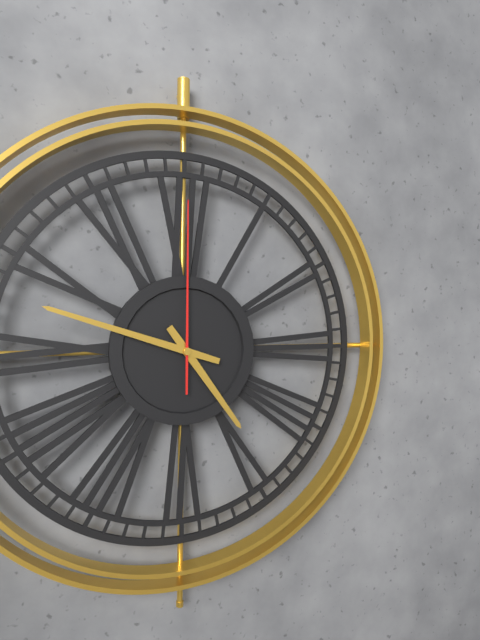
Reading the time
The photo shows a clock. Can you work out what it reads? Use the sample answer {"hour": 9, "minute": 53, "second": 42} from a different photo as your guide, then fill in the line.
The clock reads {"hour": 4, "minute": 48, "second": 0}
